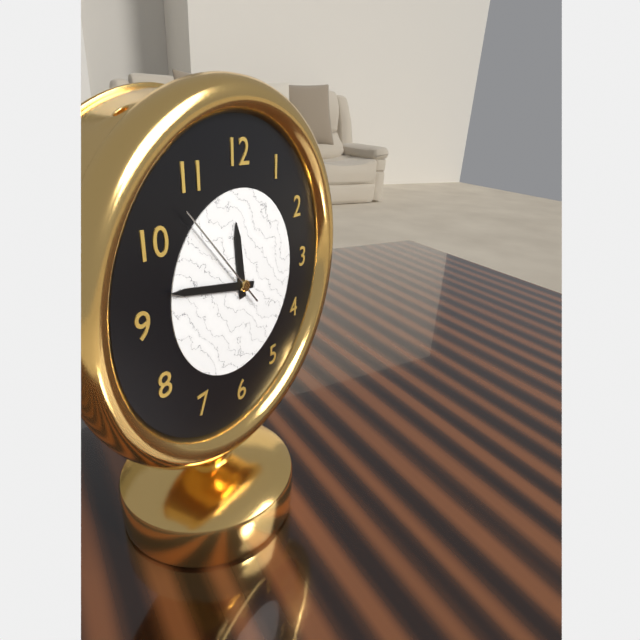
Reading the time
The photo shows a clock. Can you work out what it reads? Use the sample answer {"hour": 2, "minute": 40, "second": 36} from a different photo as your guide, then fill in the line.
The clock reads {"hour": 11, "minute": 47, "second": 53}
